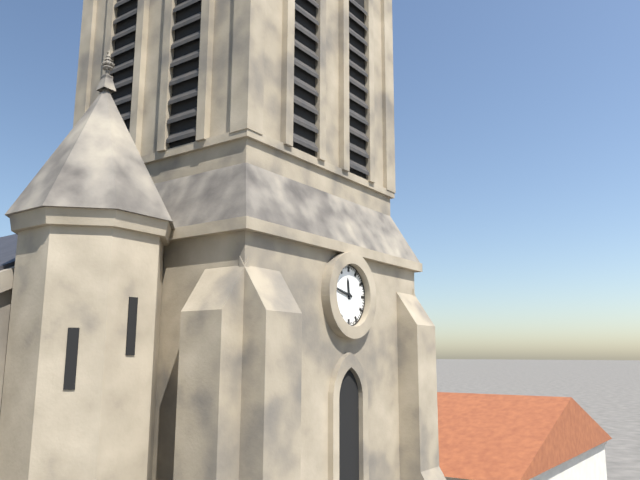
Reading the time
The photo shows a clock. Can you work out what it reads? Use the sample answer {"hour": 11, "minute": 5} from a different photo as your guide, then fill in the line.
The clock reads {"hour": 11, "minute": 47}
